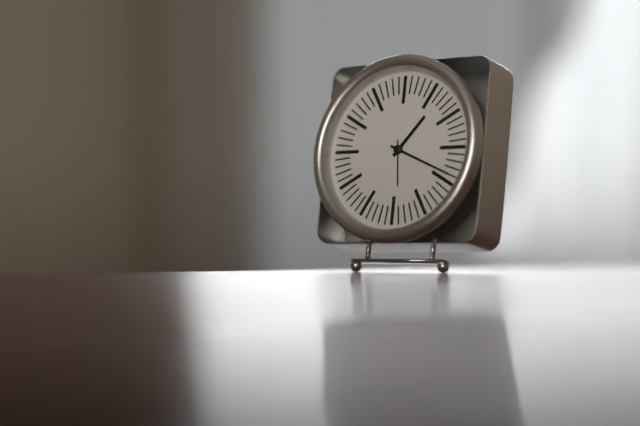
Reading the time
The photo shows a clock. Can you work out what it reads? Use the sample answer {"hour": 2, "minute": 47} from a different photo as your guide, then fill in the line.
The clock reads {"hour": 1, "minute": 19}
